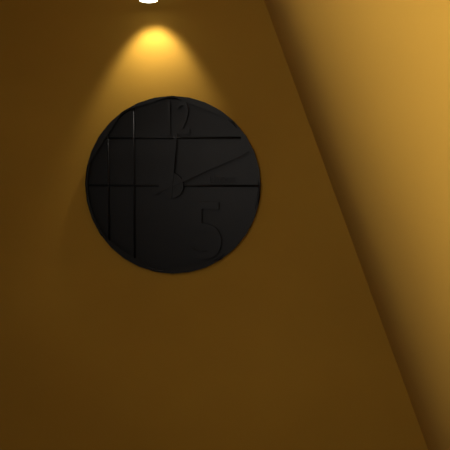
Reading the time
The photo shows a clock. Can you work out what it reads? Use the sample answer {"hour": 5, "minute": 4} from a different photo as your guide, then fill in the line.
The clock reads {"hour": 12, "minute": 11}
